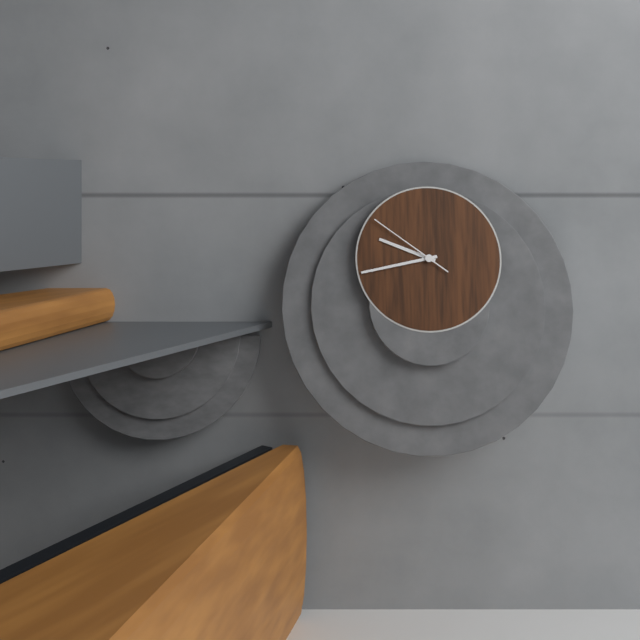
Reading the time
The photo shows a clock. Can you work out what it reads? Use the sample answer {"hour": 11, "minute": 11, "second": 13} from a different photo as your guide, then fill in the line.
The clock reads {"hour": 9, "minute": 43, "second": 51}
